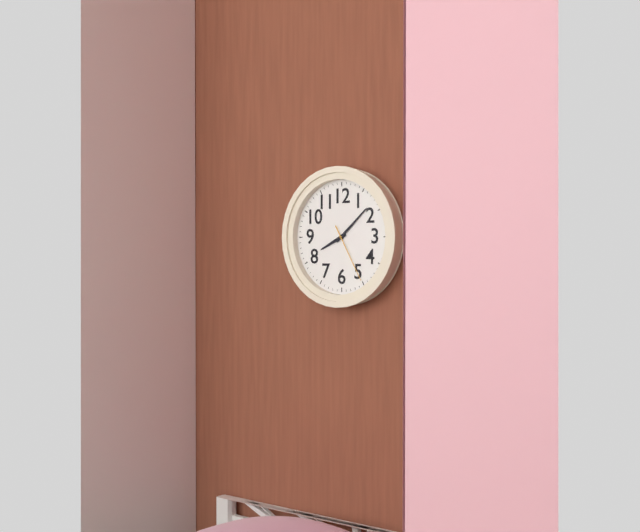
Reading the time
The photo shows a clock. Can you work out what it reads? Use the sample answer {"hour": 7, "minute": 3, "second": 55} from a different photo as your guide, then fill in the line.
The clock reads {"hour": 8, "minute": 8, "second": 25}
